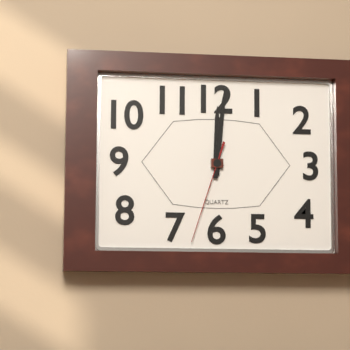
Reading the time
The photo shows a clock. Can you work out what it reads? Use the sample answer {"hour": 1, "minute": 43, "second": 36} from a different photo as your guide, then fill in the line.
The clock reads {"hour": 12, "minute": 1, "second": 33}
